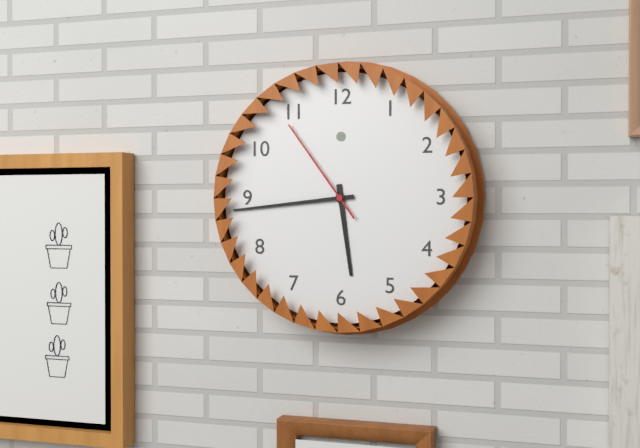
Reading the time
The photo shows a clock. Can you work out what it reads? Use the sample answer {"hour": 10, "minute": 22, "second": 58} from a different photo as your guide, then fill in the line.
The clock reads {"hour": 5, "minute": 44, "second": 54}
